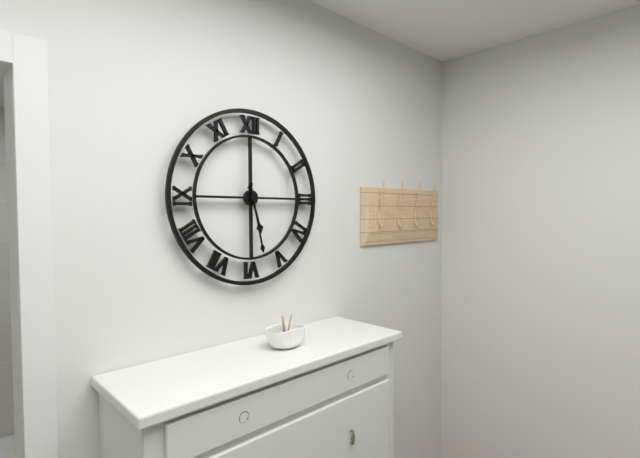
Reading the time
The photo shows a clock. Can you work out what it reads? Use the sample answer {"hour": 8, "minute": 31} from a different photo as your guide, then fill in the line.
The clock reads {"hour": 5, "minute": 28}
